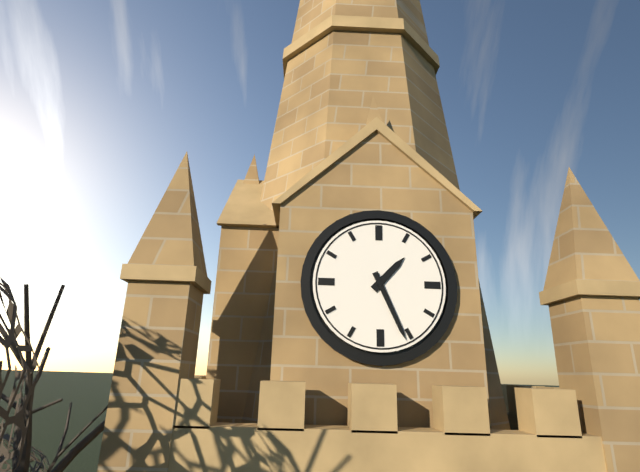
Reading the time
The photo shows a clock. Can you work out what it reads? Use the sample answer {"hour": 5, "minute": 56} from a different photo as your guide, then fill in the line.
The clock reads {"hour": 1, "minute": 26}
